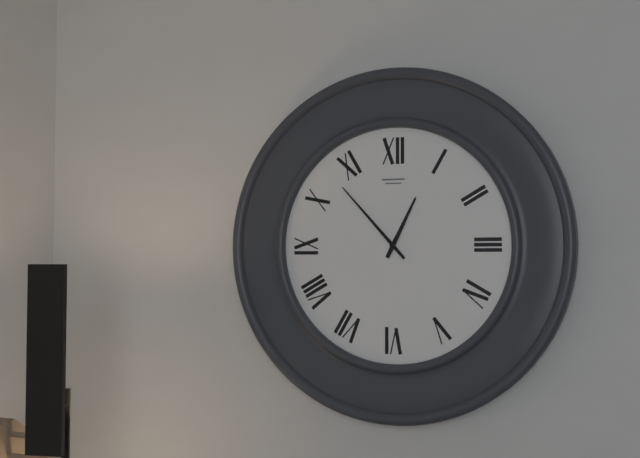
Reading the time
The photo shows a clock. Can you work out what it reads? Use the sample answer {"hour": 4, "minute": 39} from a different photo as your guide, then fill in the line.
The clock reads {"hour": 12, "minute": 53}
